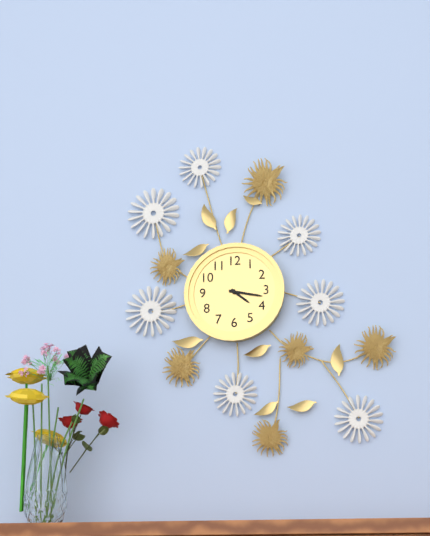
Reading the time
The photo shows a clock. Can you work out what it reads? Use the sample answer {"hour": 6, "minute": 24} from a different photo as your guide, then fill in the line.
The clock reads {"hour": 4, "minute": 17}
